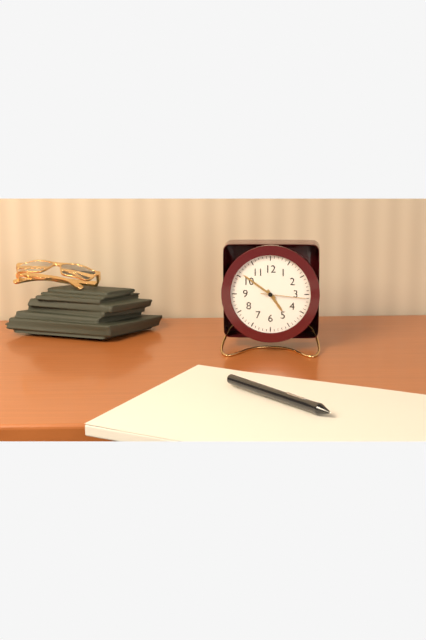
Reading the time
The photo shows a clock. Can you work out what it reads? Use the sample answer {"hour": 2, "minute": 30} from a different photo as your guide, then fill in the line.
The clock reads {"hour": 4, "minute": 51}
